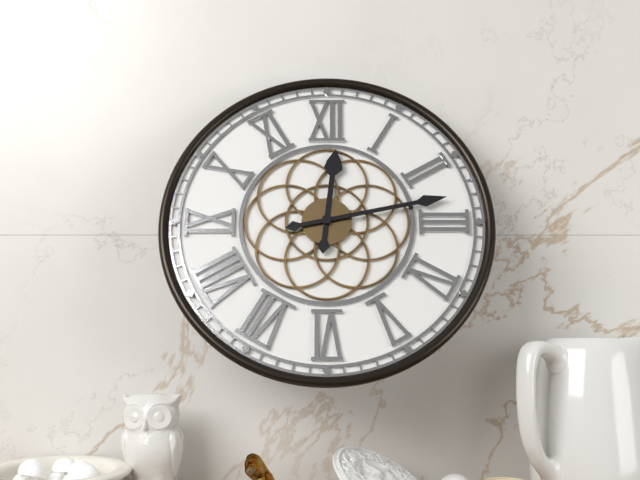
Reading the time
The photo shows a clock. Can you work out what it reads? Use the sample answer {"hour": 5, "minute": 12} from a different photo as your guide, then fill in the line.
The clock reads {"hour": 12, "minute": 13}
